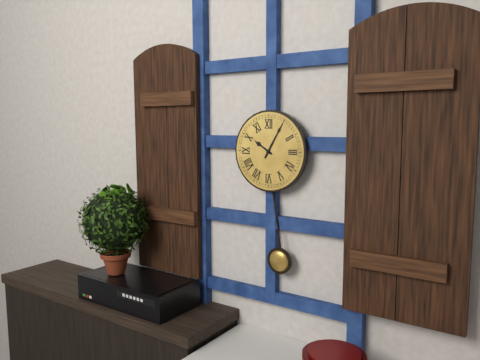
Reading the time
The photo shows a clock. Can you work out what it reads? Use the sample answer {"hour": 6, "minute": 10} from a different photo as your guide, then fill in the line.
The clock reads {"hour": 10, "minute": 5}
